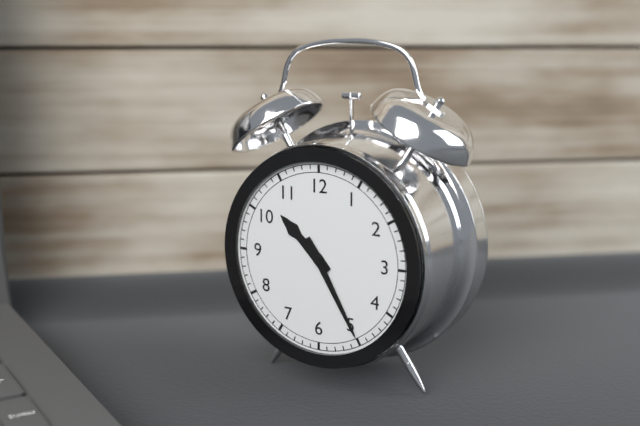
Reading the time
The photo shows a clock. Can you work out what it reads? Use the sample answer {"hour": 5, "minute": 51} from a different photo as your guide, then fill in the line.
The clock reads {"hour": 10, "minute": 25}
